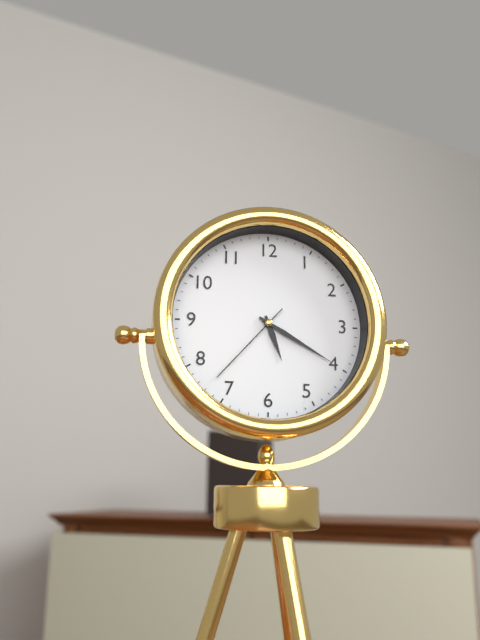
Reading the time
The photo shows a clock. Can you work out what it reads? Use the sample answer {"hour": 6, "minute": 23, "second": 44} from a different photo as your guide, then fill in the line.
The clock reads {"hour": 5, "minute": 20, "second": 37}
